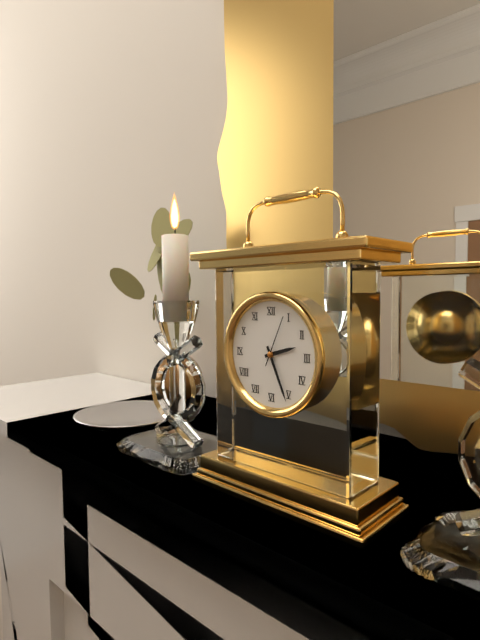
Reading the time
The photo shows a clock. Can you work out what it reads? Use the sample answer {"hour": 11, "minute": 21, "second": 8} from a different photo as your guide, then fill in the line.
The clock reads {"hour": 2, "minute": 26, "second": 4}
